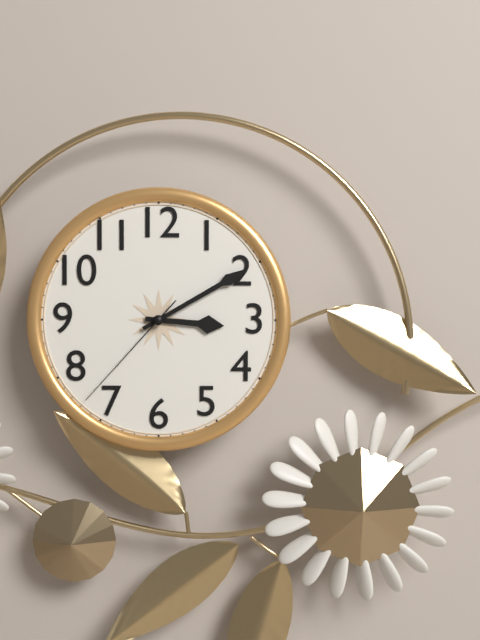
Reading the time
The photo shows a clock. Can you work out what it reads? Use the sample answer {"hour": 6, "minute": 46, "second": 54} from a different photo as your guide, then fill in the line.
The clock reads {"hour": 3, "minute": 10, "second": 37}
